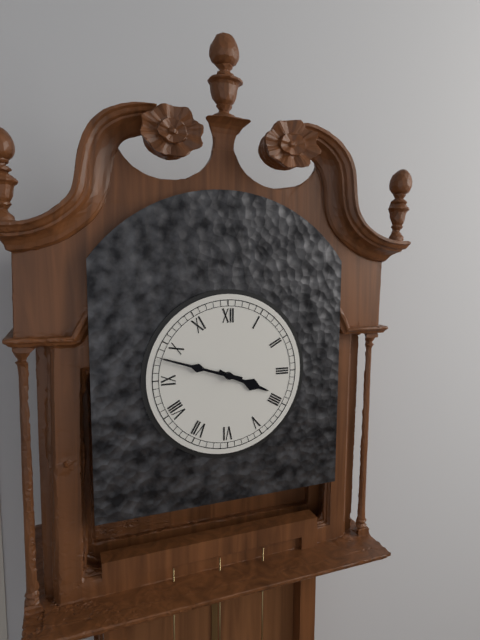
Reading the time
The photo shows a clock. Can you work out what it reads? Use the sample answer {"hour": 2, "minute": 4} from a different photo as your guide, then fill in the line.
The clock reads {"hour": 3, "minute": 48}
